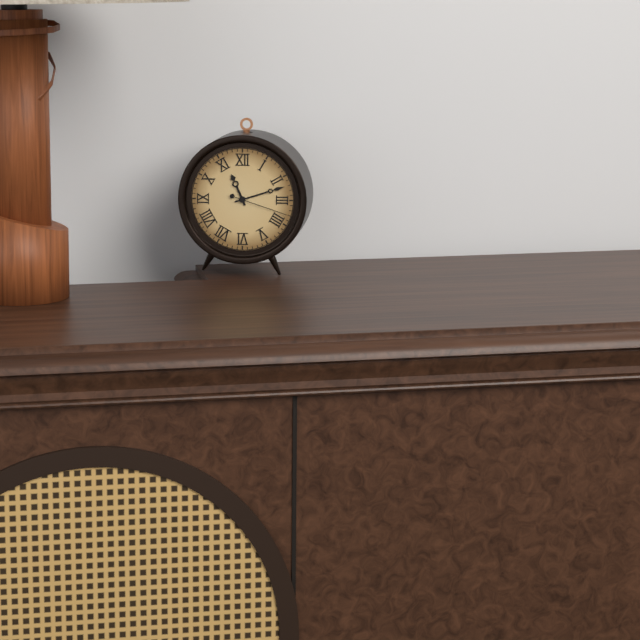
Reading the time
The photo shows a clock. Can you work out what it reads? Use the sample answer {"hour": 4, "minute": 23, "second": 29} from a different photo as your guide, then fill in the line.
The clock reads {"hour": 11, "minute": 12, "second": 18}
